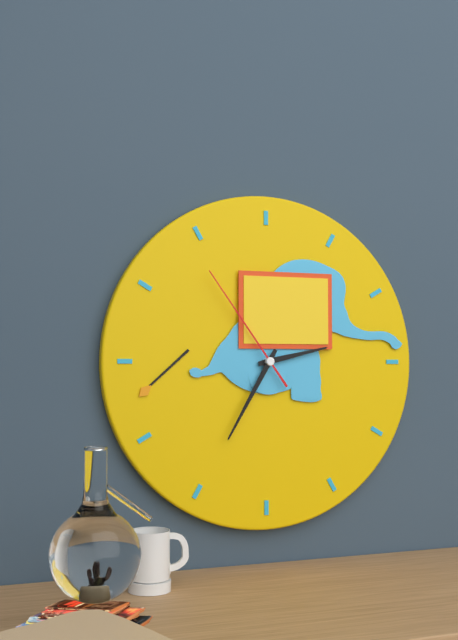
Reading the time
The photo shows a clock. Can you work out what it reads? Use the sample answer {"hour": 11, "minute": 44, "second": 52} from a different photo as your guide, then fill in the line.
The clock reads {"hour": 2, "minute": 35, "second": 54}
